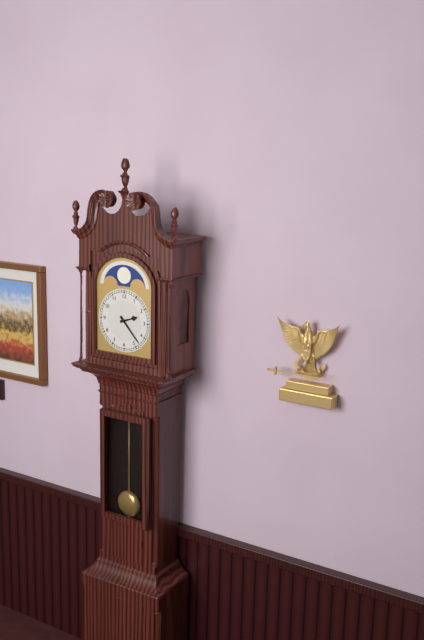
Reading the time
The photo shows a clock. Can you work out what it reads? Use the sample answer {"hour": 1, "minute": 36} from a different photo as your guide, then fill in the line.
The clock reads {"hour": 2, "minute": 23}
